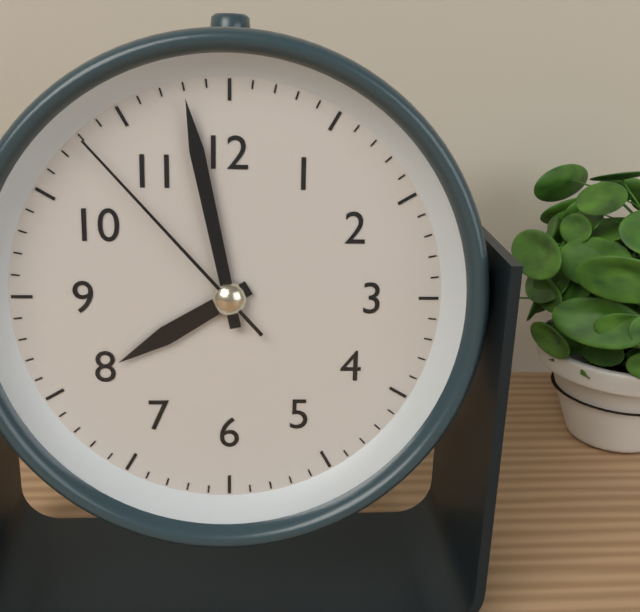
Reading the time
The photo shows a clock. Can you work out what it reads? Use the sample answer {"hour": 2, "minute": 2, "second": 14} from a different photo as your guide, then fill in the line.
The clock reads {"hour": 7, "minute": 58, "second": 53}
